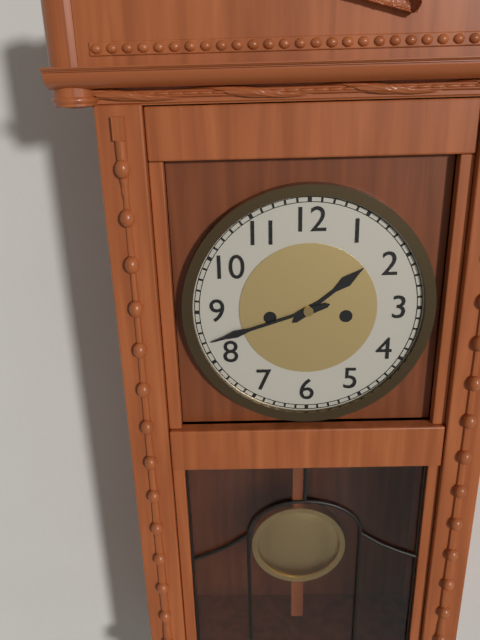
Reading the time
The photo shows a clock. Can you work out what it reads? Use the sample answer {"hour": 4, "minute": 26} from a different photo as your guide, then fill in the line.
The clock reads {"hour": 1, "minute": 42}
